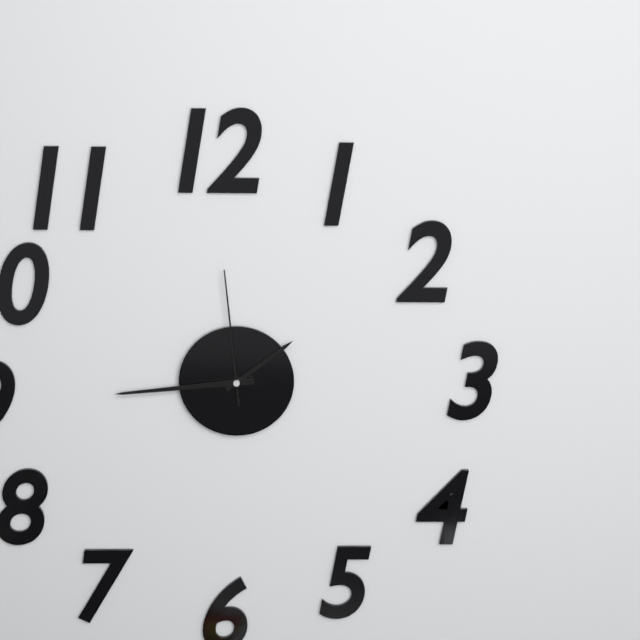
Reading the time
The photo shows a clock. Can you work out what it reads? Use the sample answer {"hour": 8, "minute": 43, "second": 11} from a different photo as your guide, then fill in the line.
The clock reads {"hour": 1, "minute": 44, "second": 59}
